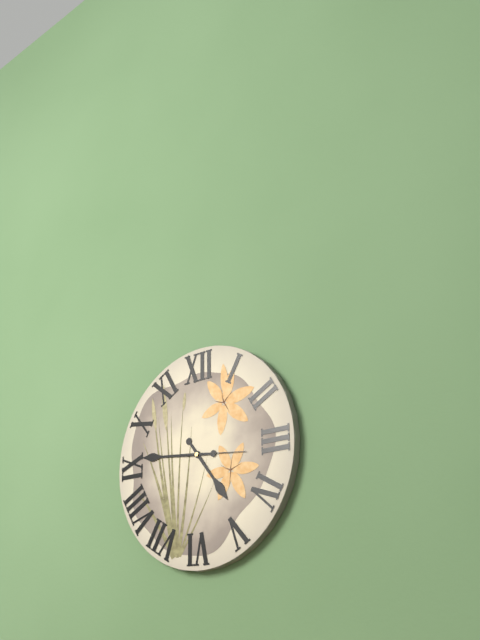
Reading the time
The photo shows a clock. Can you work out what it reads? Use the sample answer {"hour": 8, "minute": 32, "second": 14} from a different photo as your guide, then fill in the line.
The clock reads {"hour": 4, "minute": 46, "second": 16}
